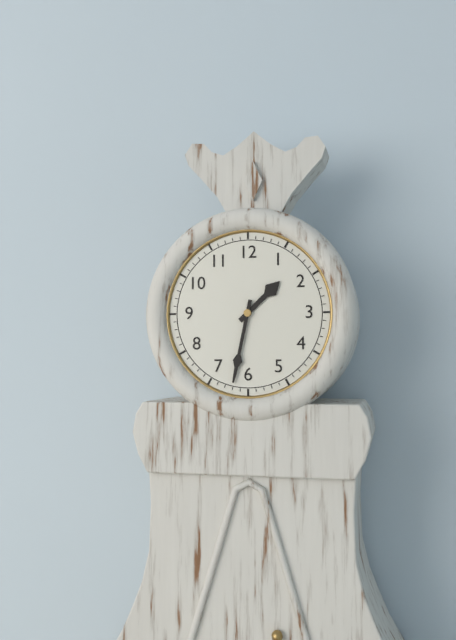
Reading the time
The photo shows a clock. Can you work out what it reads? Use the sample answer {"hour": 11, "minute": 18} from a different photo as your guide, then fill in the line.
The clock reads {"hour": 1, "minute": 32}
